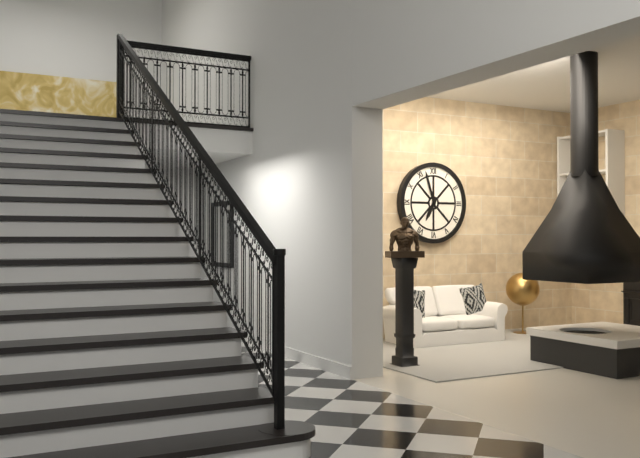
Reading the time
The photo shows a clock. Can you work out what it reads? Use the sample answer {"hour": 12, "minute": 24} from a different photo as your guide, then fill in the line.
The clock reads {"hour": 6, "minute": 57}
